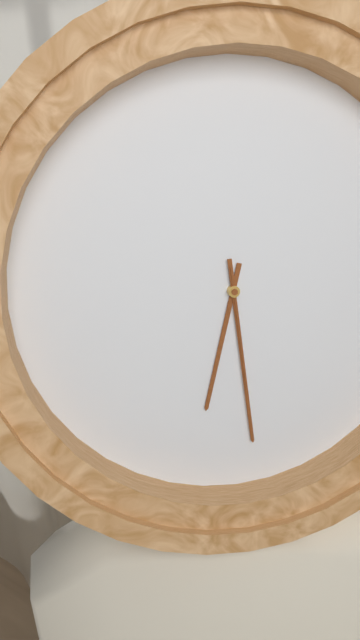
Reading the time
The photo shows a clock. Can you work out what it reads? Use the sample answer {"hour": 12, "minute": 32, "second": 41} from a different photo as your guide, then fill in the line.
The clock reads {"hour": 6, "minute": 29, "second": 29}
